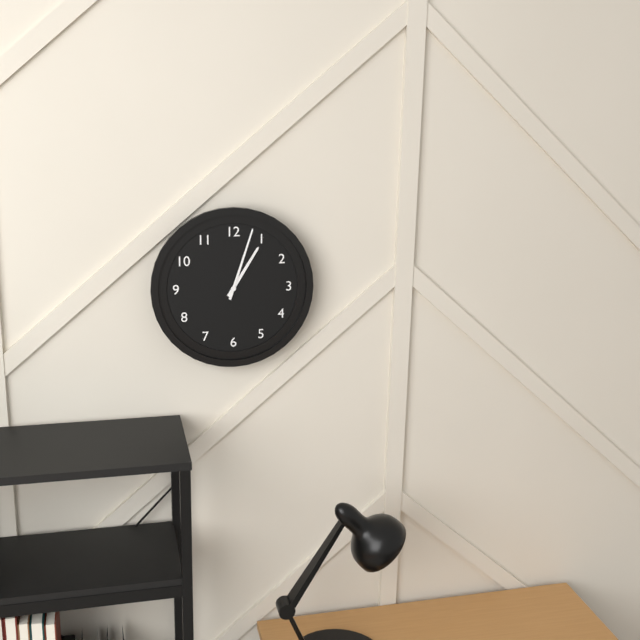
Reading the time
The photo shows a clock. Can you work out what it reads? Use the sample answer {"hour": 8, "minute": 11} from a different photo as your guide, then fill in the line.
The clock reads {"hour": 1, "minute": 3}
